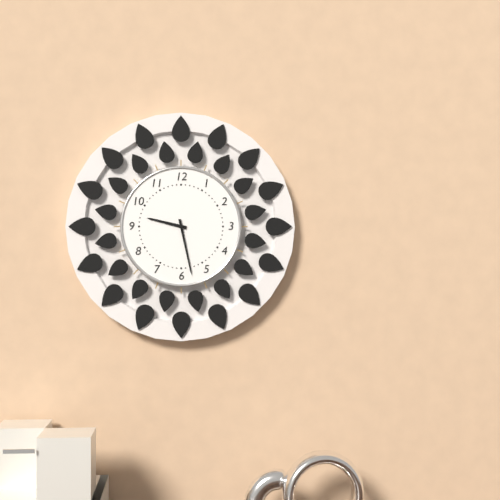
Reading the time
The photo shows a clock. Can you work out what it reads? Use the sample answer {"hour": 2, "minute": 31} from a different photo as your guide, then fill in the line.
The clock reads {"hour": 9, "minute": 28}
